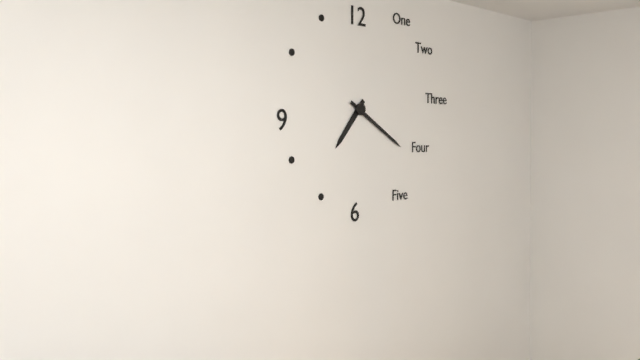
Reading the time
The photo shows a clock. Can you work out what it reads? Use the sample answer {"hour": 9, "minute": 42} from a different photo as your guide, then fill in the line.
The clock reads {"hour": 7, "minute": 20}
